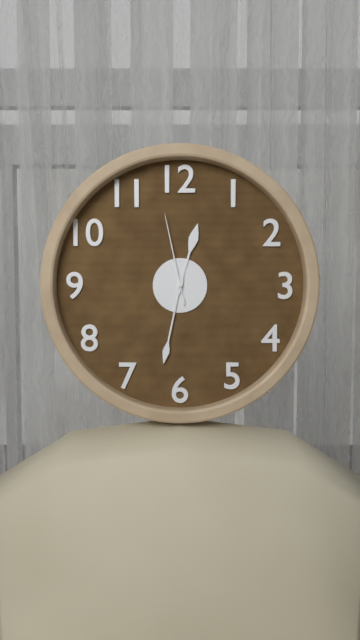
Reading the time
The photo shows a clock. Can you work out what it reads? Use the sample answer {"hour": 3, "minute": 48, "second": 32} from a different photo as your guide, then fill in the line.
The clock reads {"hour": 12, "minute": 32, "second": 58}
